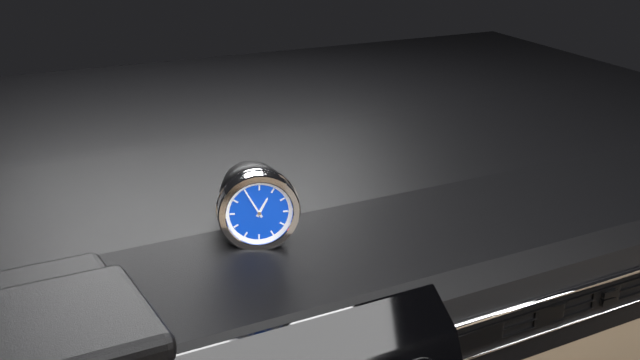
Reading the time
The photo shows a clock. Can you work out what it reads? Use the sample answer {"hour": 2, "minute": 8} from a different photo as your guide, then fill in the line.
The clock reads {"hour": 12, "minute": 55}
